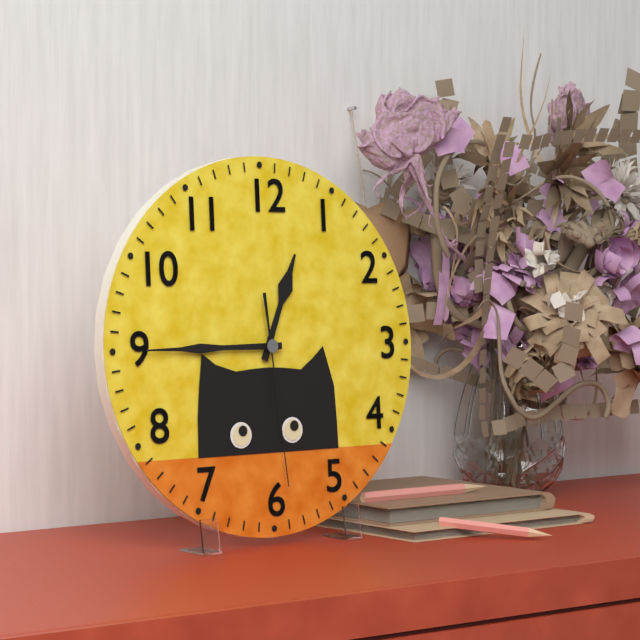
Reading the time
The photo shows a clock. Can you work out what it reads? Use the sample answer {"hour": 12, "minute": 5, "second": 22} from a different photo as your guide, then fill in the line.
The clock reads {"hour": 12, "minute": 45, "second": 29}
